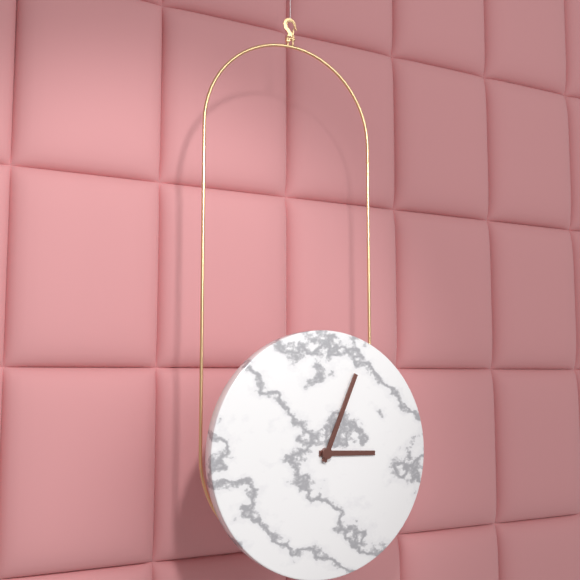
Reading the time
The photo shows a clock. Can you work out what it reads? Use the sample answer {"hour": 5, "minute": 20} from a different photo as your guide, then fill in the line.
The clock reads {"hour": 3, "minute": 4}
